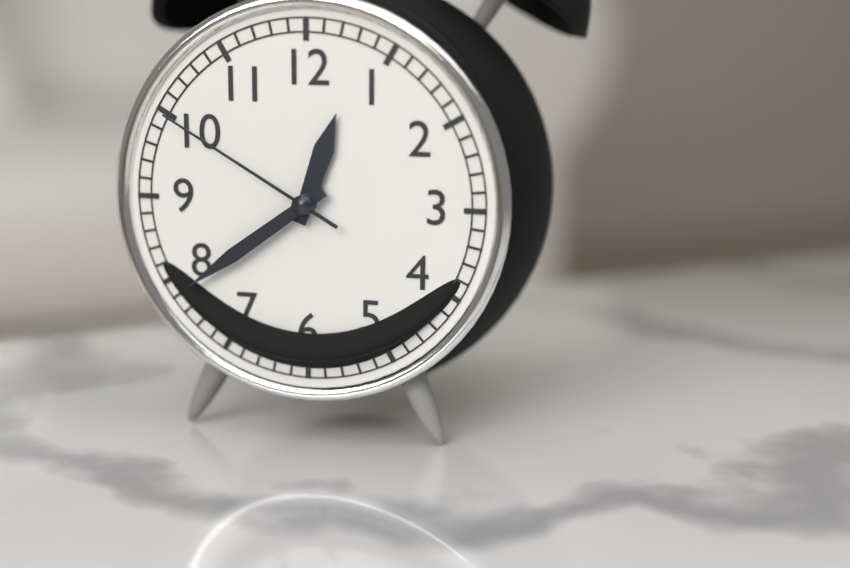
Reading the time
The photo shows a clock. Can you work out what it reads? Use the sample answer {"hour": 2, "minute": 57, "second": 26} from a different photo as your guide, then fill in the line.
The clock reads {"hour": 12, "minute": 39, "second": 50}
